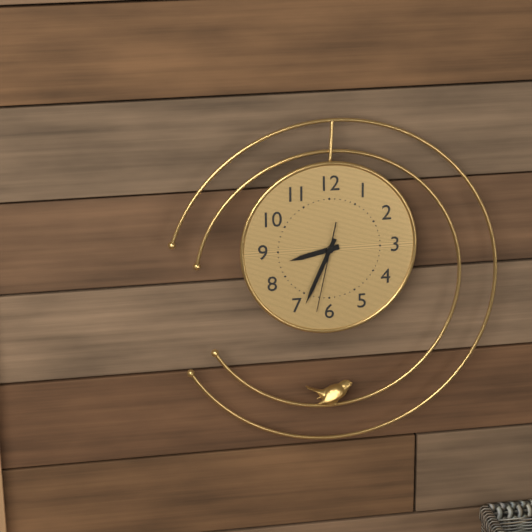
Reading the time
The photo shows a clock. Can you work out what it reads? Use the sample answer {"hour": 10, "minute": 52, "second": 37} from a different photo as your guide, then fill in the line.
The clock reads {"hour": 8, "minute": 34, "second": 32}
